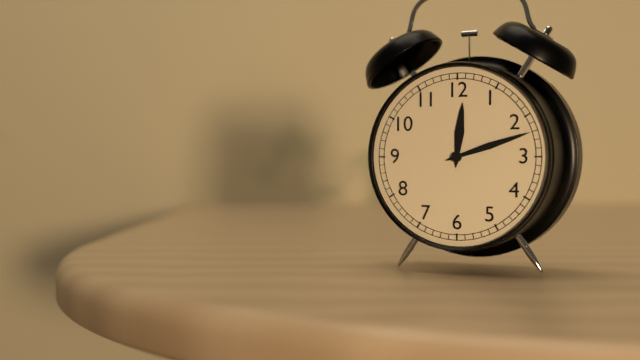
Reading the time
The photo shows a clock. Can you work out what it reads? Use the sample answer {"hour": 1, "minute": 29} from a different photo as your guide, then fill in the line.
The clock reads {"hour": 12, "minute": 12}
